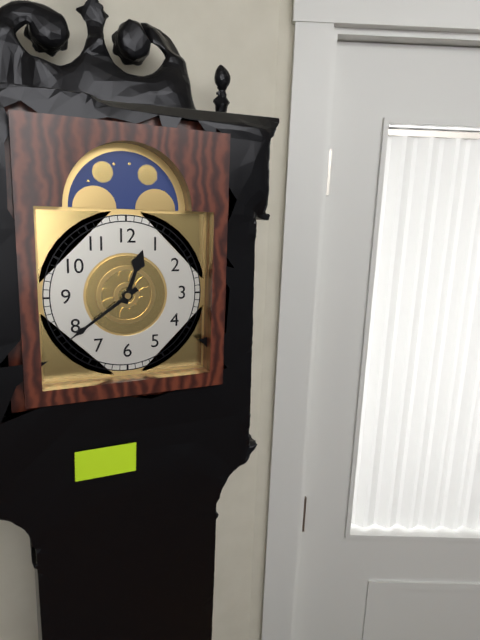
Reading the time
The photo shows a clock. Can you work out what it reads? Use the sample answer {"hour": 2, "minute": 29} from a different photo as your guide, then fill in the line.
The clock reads {"hour": 12, "minute": 39}
